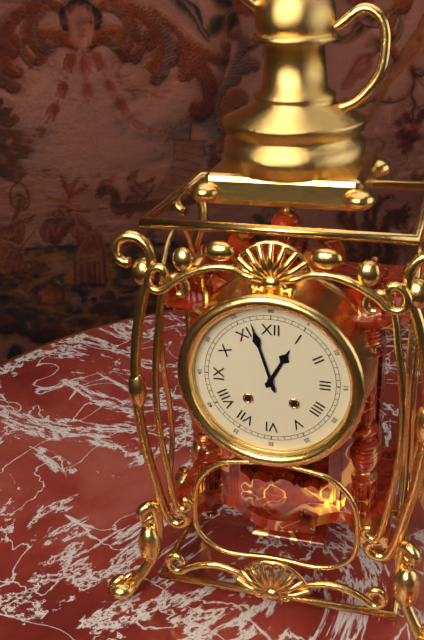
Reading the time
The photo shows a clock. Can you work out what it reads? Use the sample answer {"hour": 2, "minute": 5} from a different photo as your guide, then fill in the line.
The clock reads {"hour": 12, "minute": 57}
